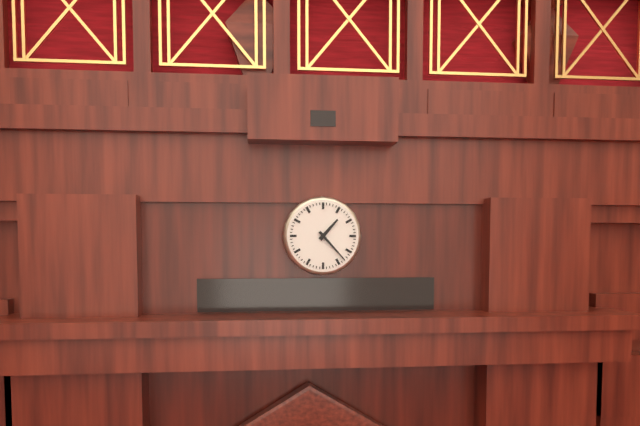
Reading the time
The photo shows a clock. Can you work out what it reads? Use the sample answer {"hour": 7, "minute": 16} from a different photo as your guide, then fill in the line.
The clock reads {"hour": 1, "minute": 23}
